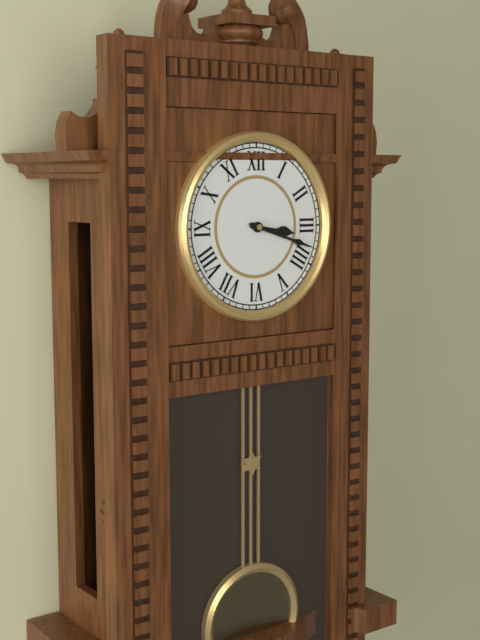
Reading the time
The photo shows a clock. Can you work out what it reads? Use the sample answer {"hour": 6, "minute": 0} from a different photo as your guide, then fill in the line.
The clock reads {"hour": 3, "minute": 18}
